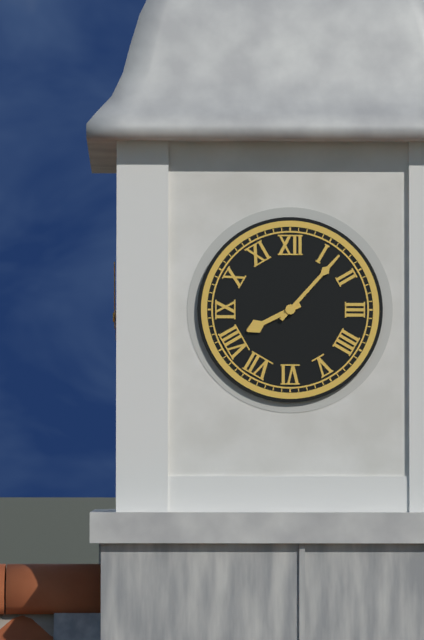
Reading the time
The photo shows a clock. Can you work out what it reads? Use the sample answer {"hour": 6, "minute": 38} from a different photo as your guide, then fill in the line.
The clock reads {"hour": 8, "minute": 7}
